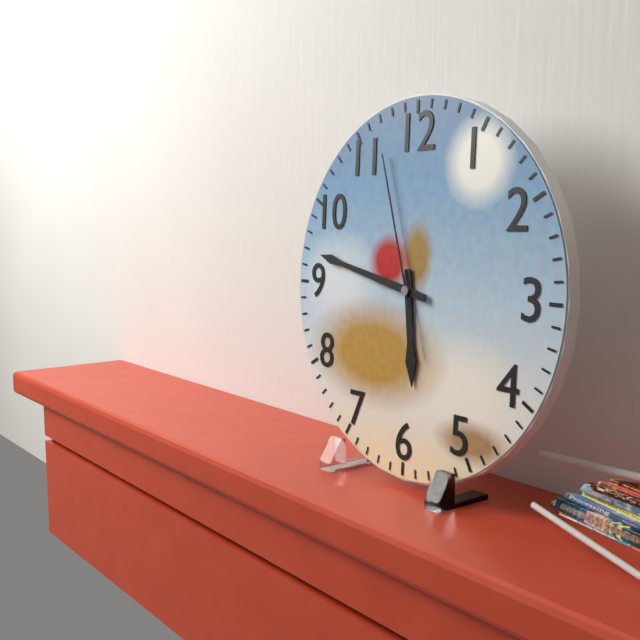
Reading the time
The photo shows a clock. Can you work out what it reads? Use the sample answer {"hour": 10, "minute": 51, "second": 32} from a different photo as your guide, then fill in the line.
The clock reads {"hour": 5, "minute": 47, "second": 57}
